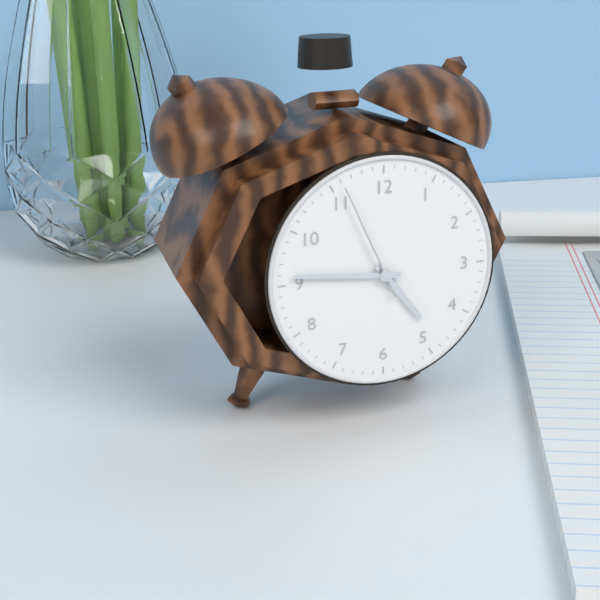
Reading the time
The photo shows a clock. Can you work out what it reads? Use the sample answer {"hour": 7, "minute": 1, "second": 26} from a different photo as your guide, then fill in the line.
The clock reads {"hour": 4, "minute": 46, "second": 56}
